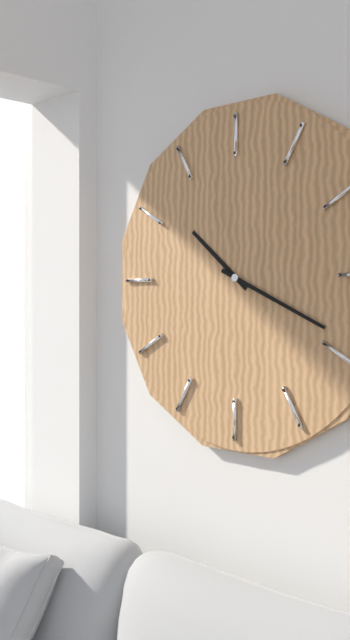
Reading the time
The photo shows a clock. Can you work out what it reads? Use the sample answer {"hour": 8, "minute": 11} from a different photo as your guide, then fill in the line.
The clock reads {"hour": 10, "minute": 19}
